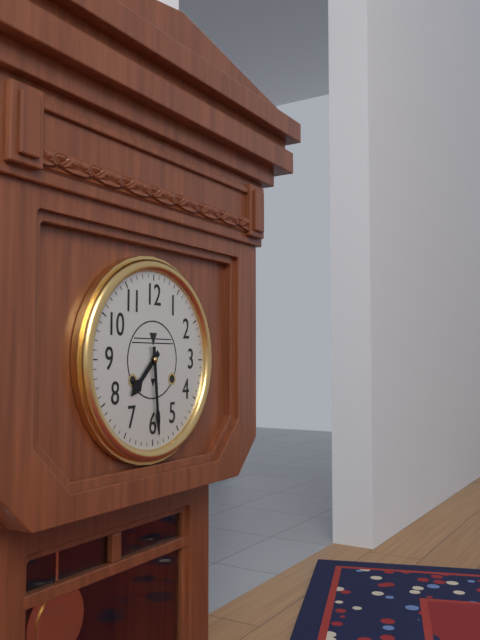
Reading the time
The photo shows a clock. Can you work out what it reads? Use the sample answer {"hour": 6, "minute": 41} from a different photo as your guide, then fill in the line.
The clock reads {"hour": 7, "minute": 29}
